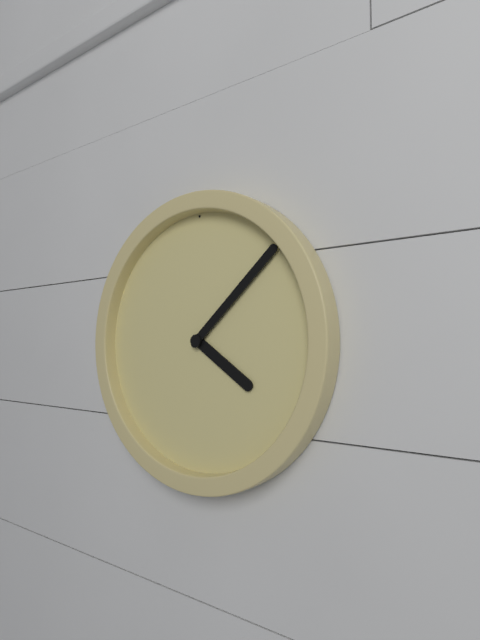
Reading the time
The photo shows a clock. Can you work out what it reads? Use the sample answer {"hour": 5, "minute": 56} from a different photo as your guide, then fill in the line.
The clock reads {"hour": 4, "minute": 8}
